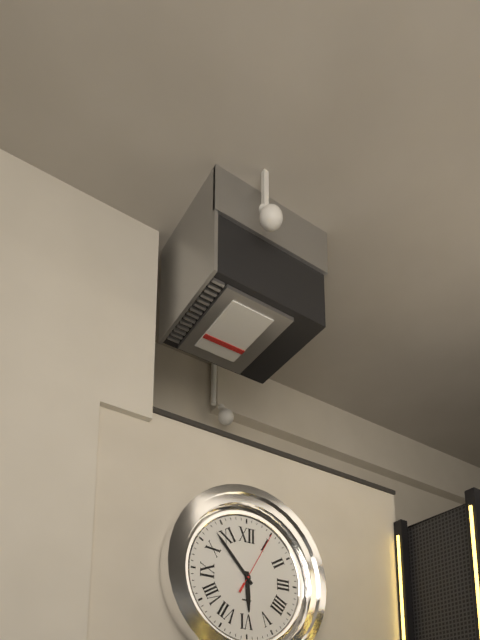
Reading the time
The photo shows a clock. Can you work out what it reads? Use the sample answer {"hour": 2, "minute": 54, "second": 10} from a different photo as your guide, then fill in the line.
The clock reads {"hour": 5, "minute": 53, "second": 5}
